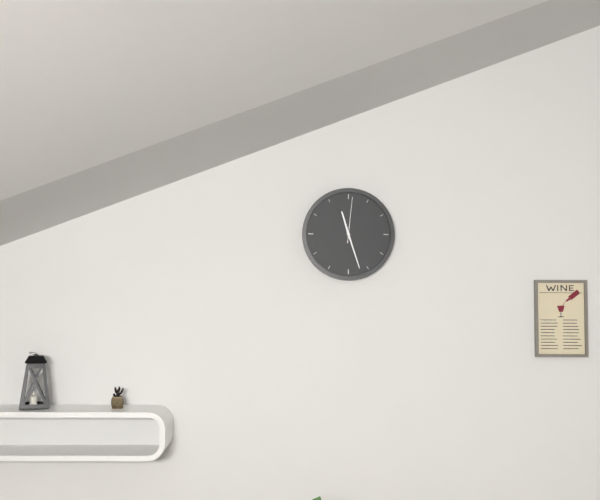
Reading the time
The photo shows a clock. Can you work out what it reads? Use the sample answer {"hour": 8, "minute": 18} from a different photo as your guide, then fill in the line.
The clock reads {"hour": 11, "minute": 27}
